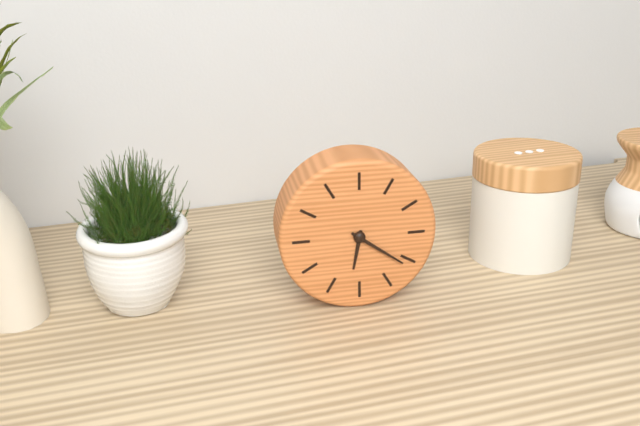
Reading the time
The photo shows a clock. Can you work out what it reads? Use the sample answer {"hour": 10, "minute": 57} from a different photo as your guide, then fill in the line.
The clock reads {"hour": 6, "minute": 21}
